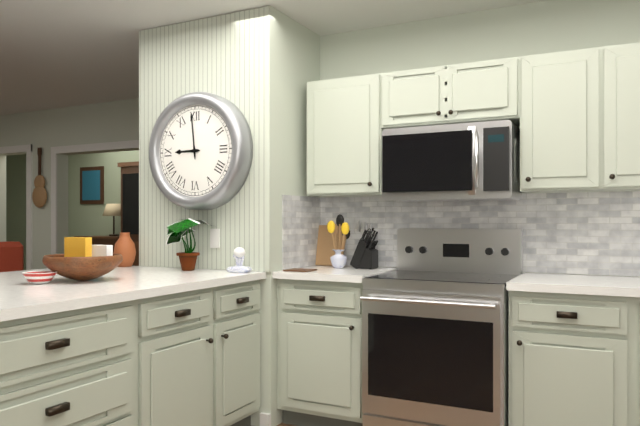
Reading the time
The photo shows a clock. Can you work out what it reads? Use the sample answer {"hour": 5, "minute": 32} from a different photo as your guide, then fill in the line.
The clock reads {"hour": 8, "minute": 59}
